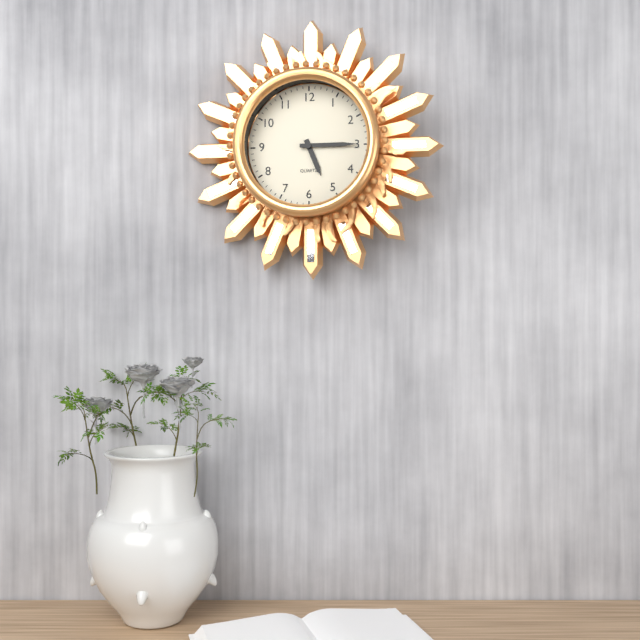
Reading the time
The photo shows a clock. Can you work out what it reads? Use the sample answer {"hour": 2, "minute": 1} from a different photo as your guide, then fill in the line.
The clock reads {"hour": 5, "minute": 15}
